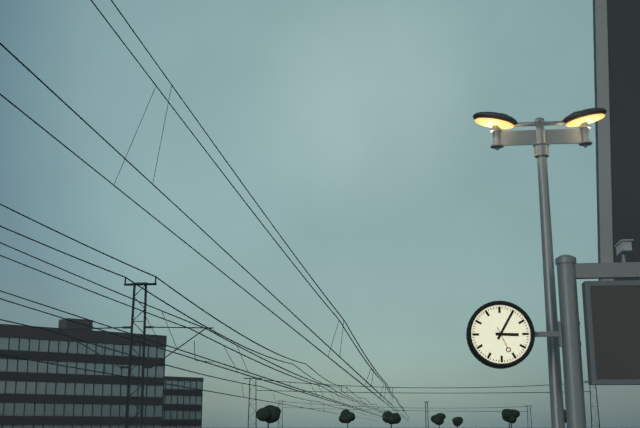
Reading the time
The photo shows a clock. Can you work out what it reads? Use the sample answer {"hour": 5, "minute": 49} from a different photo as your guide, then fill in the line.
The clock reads {"hour": 3, "minute": 5}
